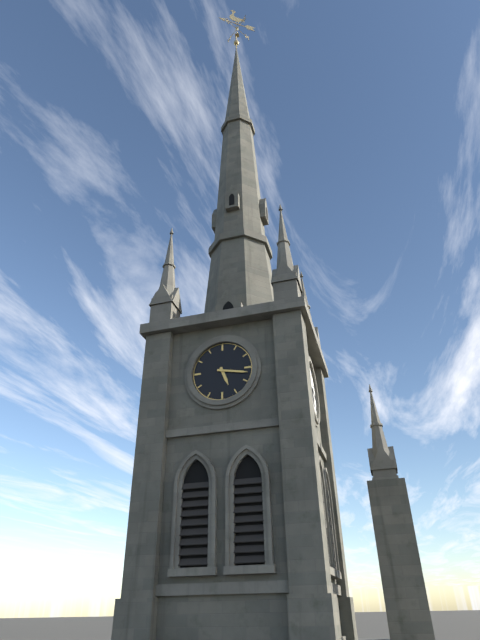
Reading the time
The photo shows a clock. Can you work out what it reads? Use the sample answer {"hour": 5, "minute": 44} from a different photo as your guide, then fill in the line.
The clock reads {"hour": 5, "minute": 17}
